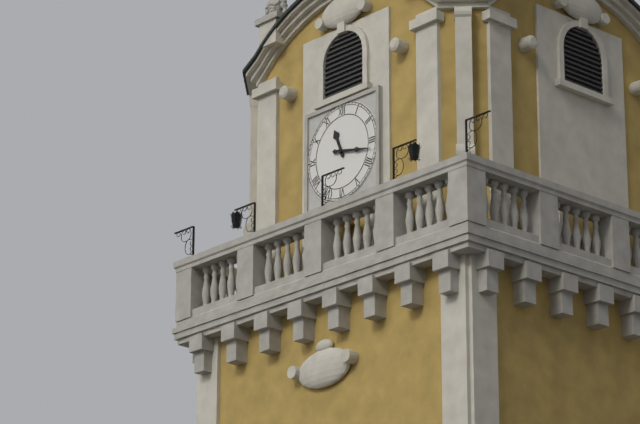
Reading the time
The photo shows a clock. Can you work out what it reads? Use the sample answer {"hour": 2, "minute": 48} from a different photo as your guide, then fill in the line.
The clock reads {"hour": 11, "minute": 17}
